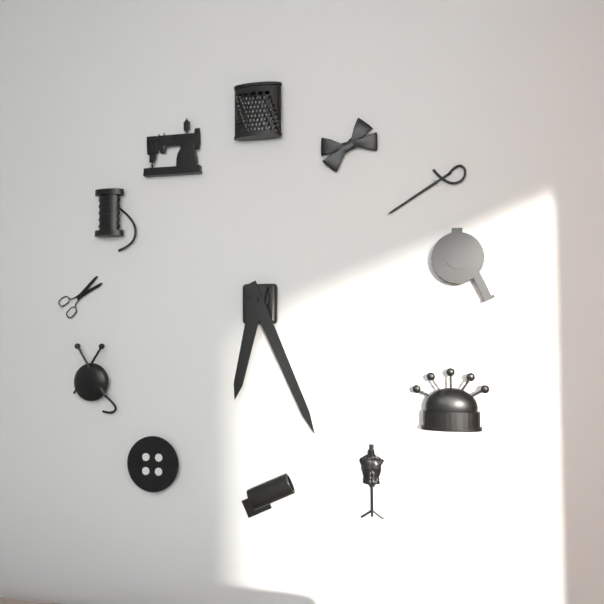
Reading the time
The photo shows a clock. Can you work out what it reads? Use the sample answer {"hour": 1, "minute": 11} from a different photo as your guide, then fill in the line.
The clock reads {"hour": 6, "minute": 26}
